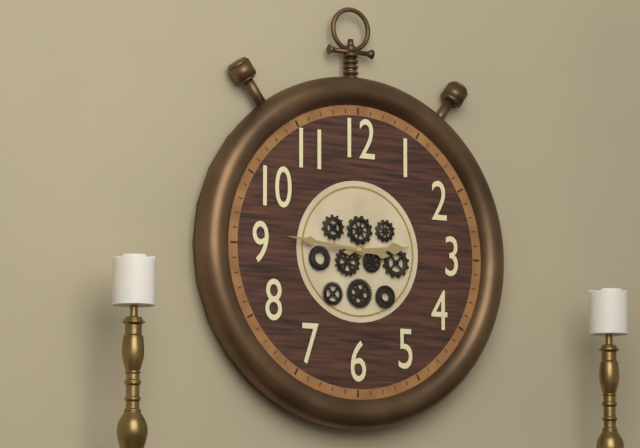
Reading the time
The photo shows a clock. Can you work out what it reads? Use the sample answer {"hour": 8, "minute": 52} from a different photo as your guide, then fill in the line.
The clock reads {"hour": 2, "minute": 46}
